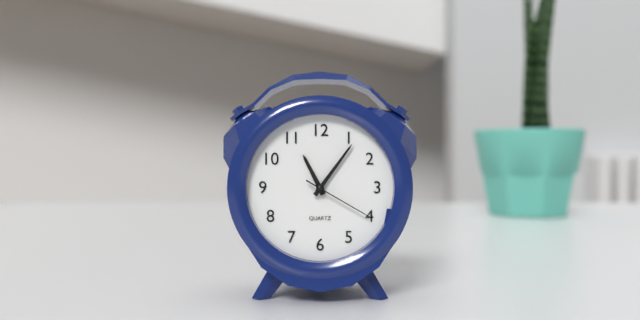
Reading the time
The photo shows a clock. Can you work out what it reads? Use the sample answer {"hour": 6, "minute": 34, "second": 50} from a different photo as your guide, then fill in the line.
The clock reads {"hour": 11, "minute": 6, "second": 20}
